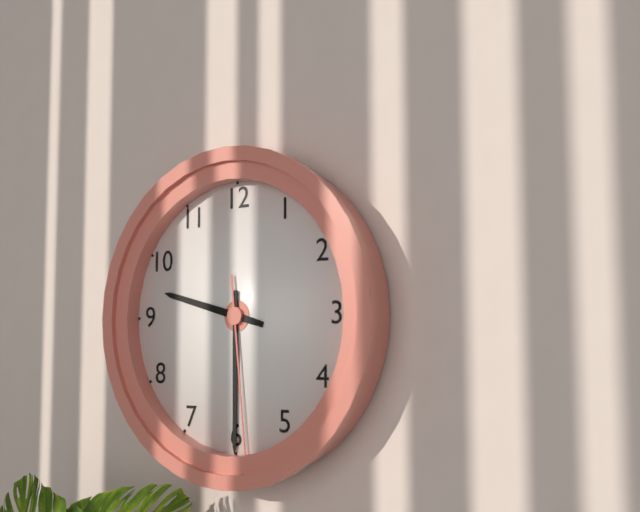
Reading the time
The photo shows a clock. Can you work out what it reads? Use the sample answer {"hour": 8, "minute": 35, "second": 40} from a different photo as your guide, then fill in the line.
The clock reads {"hour": 9, "minute": 30, "second": 29}
